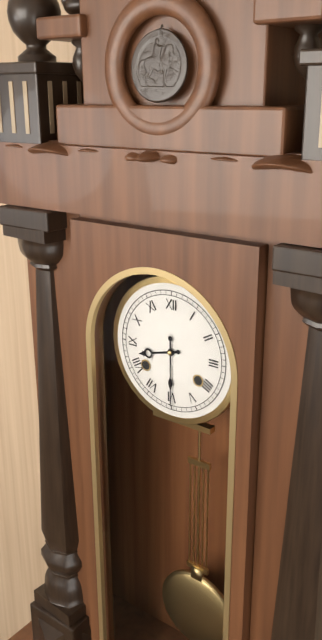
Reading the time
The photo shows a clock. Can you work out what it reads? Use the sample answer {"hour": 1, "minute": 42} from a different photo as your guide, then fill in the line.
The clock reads {"hour": 8, "minute": 30}
